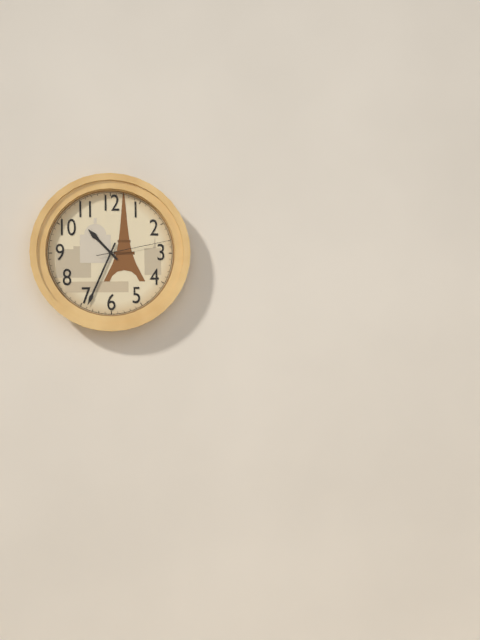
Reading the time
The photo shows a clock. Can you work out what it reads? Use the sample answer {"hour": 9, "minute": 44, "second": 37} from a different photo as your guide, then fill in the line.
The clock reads {"hour": 10, "minute": 34, "second": 13}
